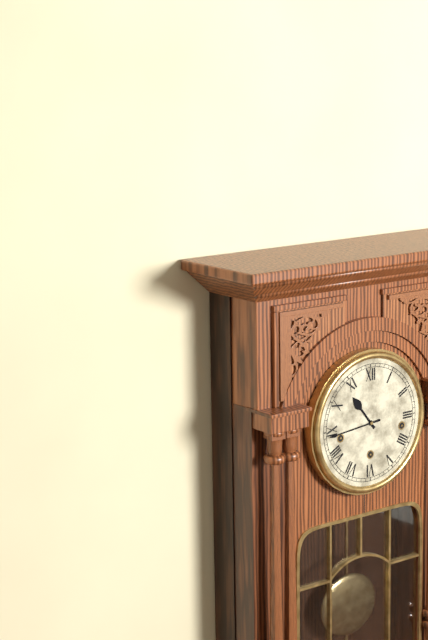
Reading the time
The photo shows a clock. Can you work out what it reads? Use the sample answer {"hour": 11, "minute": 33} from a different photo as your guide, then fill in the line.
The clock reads {"hour": 10, "minute": 44}
